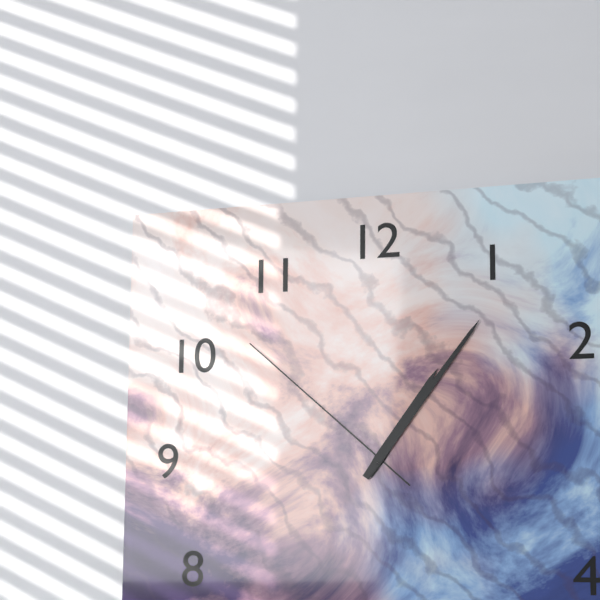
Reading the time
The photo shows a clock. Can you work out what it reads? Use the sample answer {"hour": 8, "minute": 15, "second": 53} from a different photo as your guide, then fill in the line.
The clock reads {"hour": 1, "minute": 6, "second": 52}
